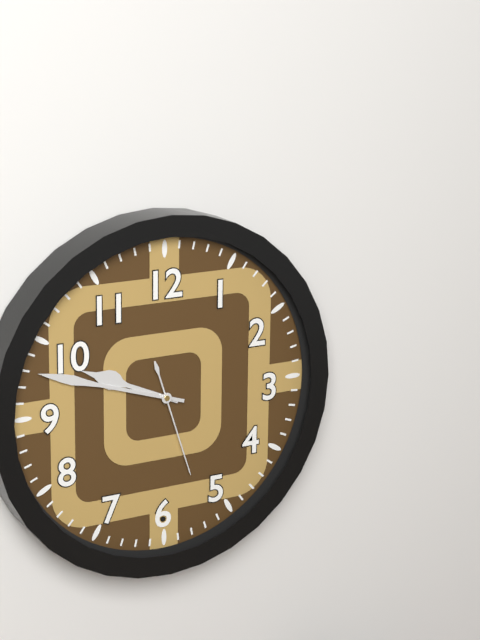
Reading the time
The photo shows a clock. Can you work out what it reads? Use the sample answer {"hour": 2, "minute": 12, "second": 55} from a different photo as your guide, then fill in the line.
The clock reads {"hour": 9, "minute": 48, "second": 27}
